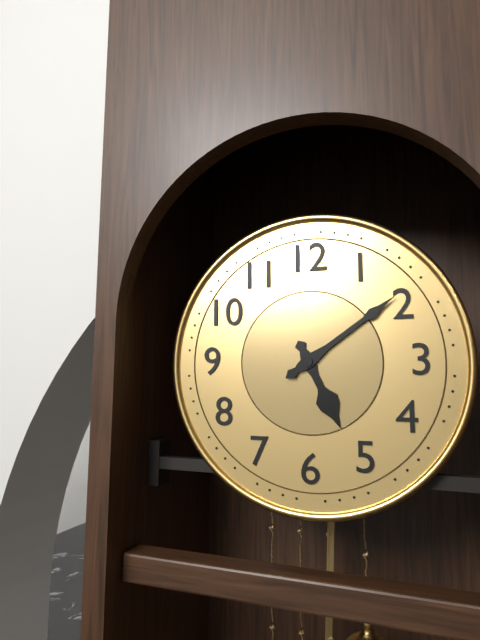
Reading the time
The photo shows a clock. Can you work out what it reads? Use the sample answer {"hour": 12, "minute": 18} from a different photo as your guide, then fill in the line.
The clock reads {"hour": 5, "minute": 9}
